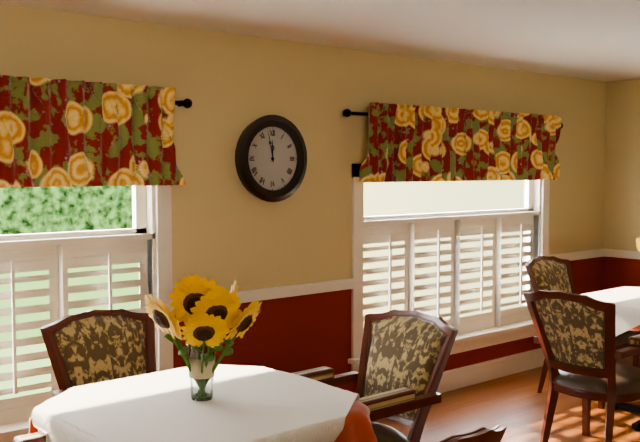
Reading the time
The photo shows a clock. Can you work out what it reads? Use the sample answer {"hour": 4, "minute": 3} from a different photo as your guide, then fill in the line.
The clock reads {"hour": 11, "minute": 58}
